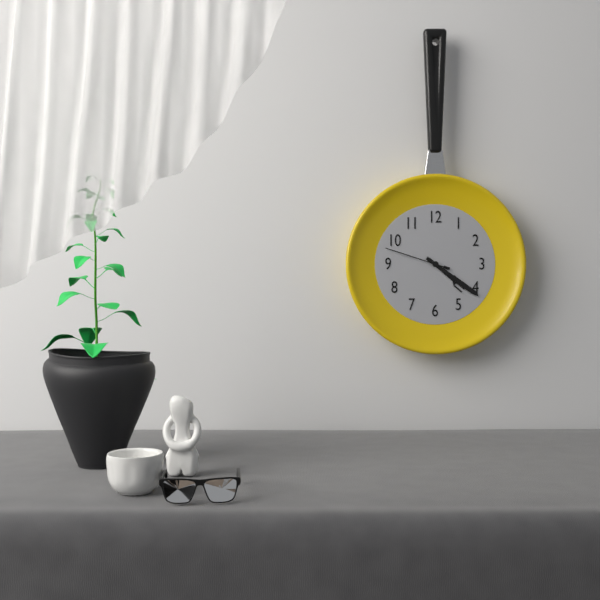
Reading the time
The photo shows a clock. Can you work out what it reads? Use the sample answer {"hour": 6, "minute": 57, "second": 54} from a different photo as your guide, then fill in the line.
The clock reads {"hour": 4, "minute": 21, "second": 48}
